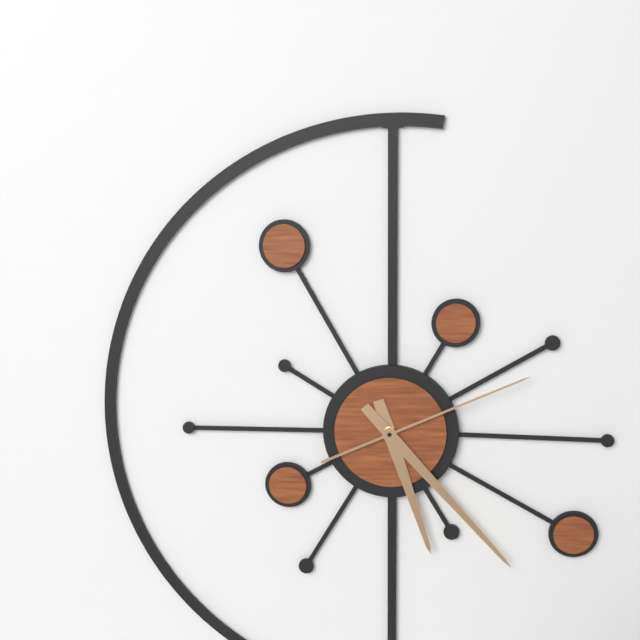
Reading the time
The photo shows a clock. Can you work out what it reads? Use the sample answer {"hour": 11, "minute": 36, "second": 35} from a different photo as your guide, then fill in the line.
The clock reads {"hour": 5, "minute": 23, "second": 11}
